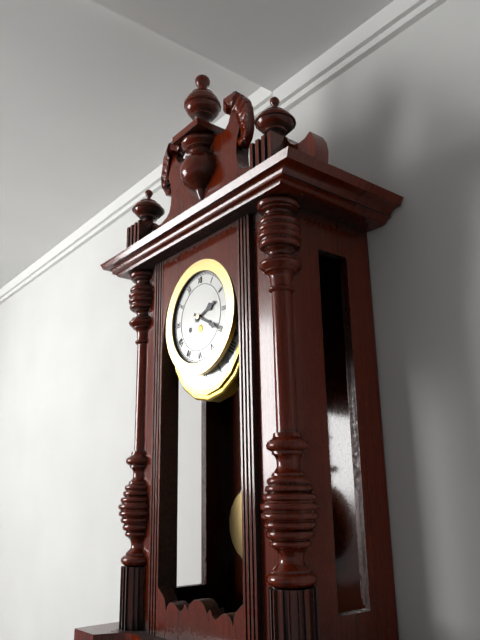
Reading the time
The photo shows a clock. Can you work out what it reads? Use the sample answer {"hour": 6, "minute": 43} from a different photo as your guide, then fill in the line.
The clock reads {"hour": 2, "minute": 20}
